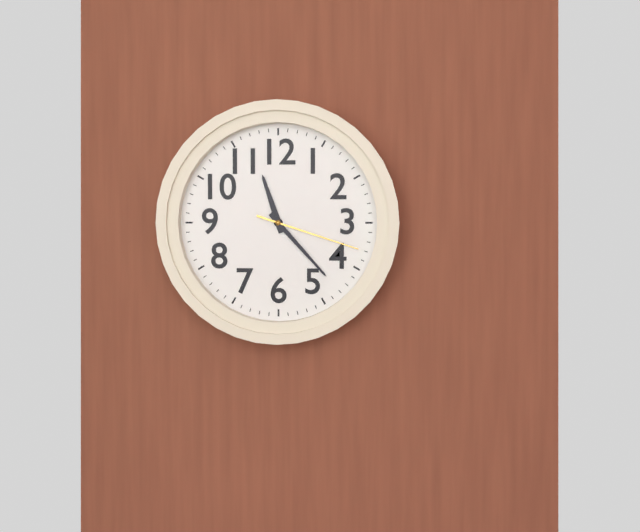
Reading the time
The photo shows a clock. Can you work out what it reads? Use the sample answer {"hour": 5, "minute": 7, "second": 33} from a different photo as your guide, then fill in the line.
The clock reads {"hour": 11, "minute": 23, "second": 18}
